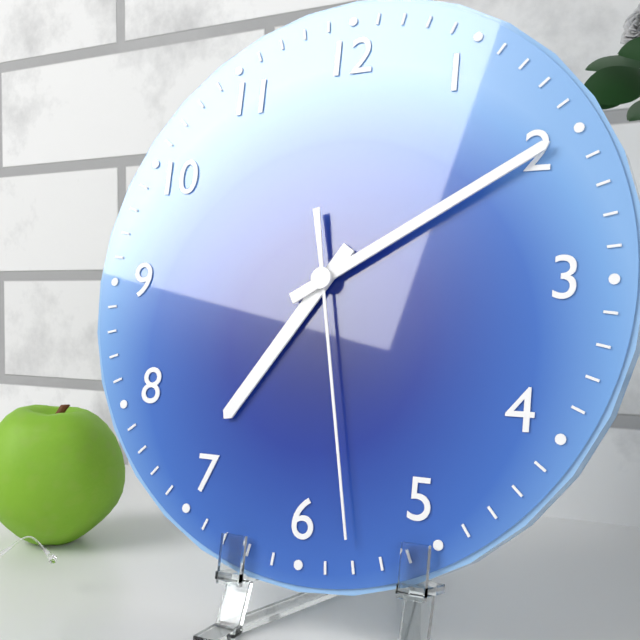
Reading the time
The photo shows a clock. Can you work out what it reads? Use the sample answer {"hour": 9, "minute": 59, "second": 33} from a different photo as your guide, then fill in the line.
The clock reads {"hour": 7, "minute": 10, "second": 28}
